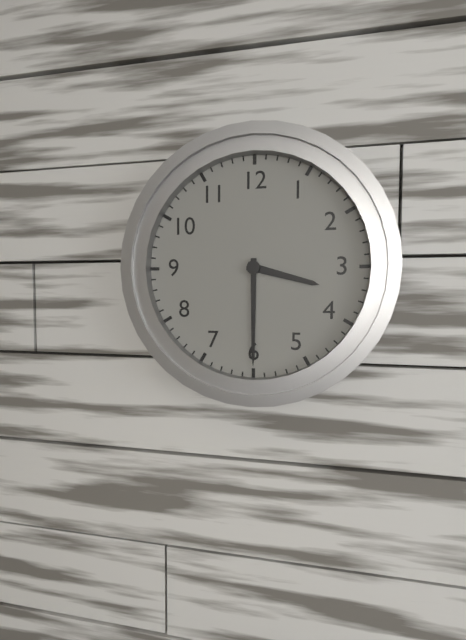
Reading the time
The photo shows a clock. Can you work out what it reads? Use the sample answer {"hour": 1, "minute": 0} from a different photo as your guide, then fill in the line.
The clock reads {"hour": 3, "minute": 30}
